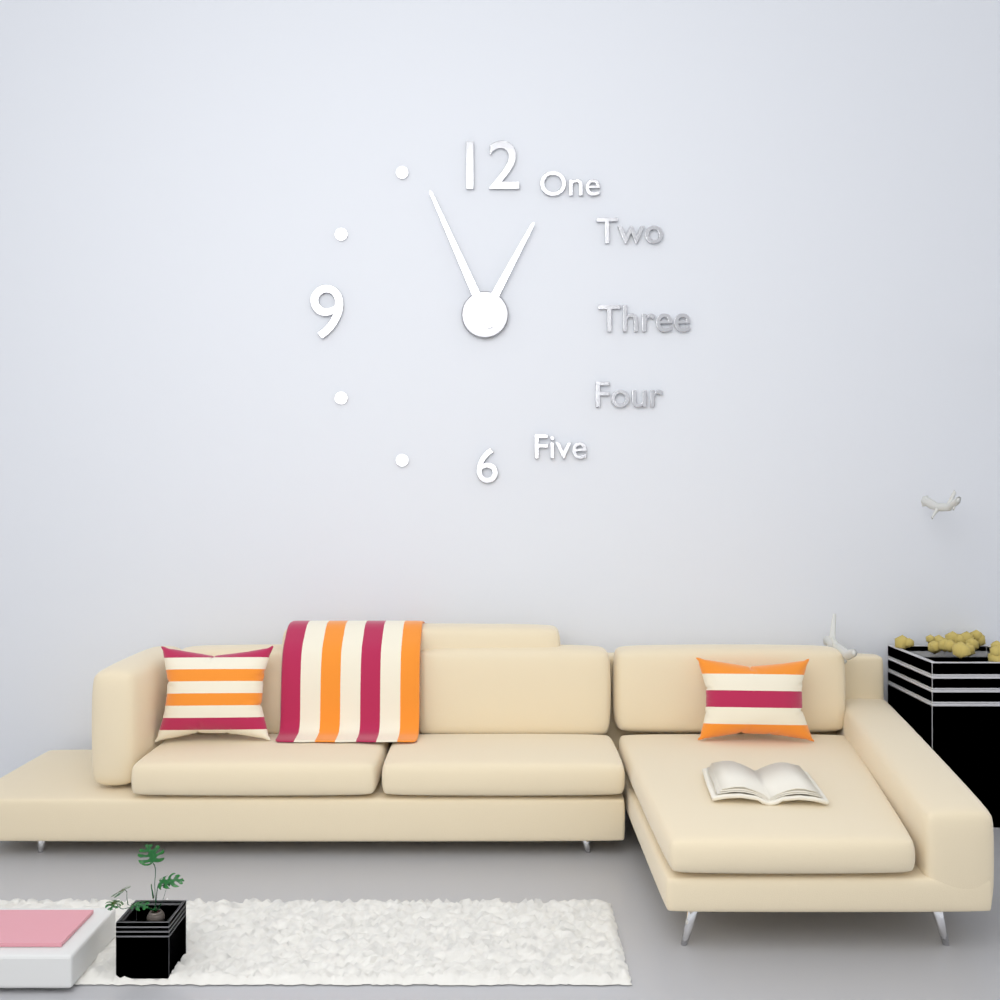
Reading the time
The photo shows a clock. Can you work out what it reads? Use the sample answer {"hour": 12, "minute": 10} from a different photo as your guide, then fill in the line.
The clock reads {"hour": 12, "minute": 56}
